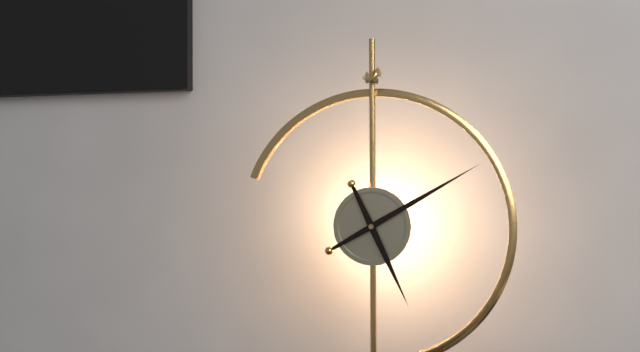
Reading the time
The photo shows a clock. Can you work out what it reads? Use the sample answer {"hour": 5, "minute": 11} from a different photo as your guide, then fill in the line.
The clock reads {"hour": 5, "minute": 10}
